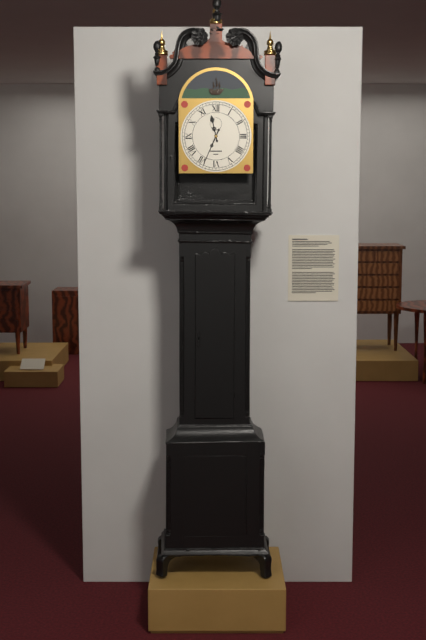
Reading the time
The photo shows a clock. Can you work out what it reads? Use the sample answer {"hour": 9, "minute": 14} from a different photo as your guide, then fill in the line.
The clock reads {"hour": 11, "minute": 34}
